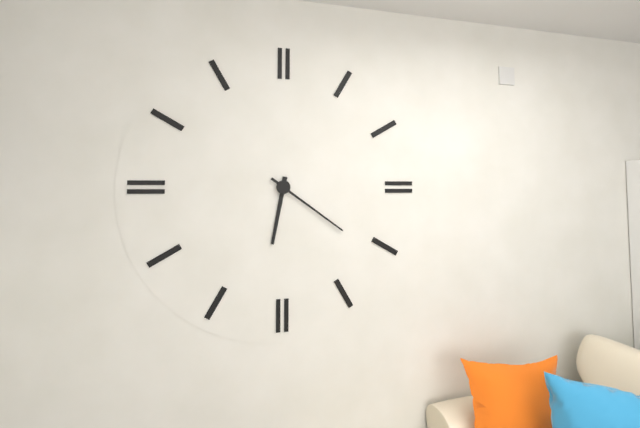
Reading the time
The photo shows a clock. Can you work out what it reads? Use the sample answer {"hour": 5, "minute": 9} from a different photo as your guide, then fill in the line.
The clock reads {"hour": 6, "minute": 21}
